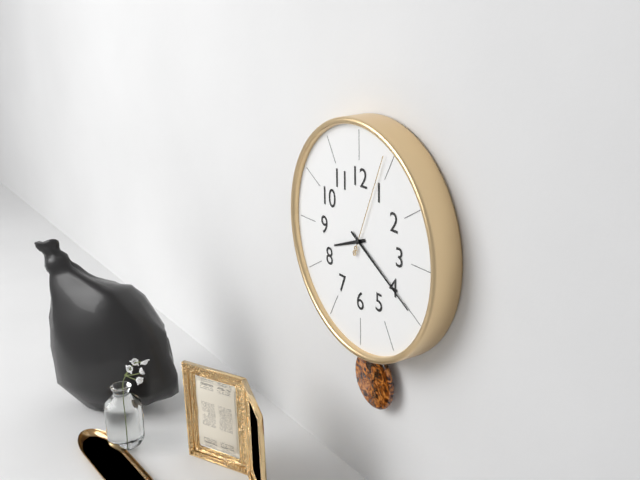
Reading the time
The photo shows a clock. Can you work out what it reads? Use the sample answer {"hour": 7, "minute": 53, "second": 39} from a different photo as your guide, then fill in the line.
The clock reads {"hour": 8, "minute": 20, "second": 4}
